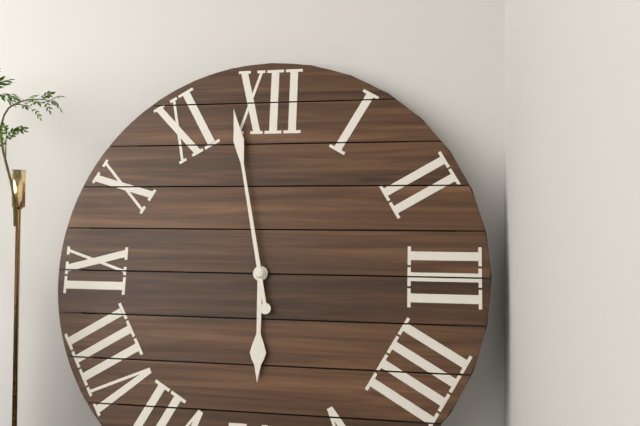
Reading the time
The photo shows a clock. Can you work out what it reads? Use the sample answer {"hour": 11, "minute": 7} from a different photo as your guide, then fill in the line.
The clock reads {"hour": 5, "minute": 58}
